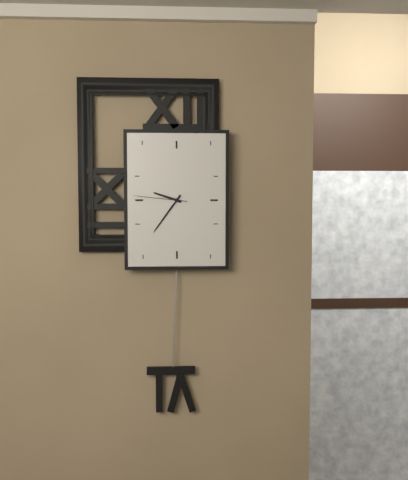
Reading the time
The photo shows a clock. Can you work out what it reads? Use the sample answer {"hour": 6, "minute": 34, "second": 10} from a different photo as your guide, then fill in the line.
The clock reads {"hour": 9, "minute": 36, "second": 46}
